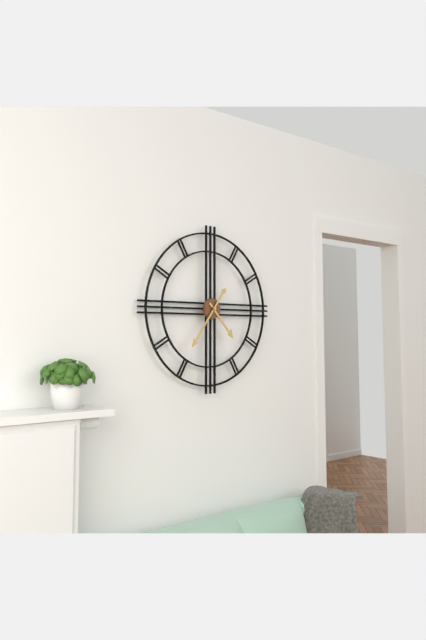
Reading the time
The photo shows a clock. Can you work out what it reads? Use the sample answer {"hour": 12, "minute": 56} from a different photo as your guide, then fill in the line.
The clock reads {"hour": 4, "minute": 36}
